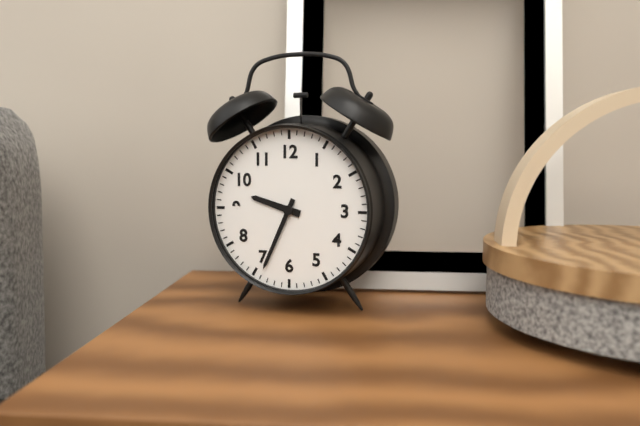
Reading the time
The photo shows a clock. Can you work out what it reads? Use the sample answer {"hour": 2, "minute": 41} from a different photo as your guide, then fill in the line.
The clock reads {"hour": 9, "minute": 34}
